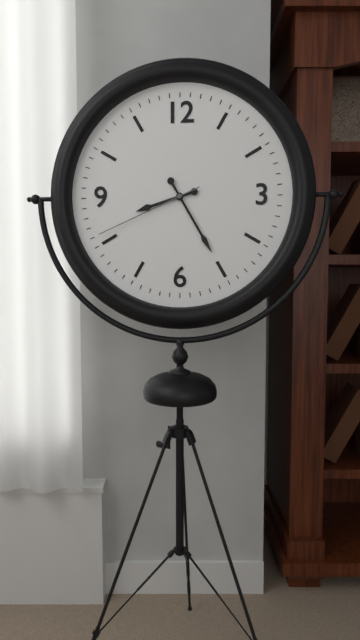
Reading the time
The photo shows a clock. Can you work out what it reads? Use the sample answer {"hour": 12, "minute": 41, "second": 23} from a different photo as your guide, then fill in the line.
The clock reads {"hour": 8, "minute": 25, "second": 41}
